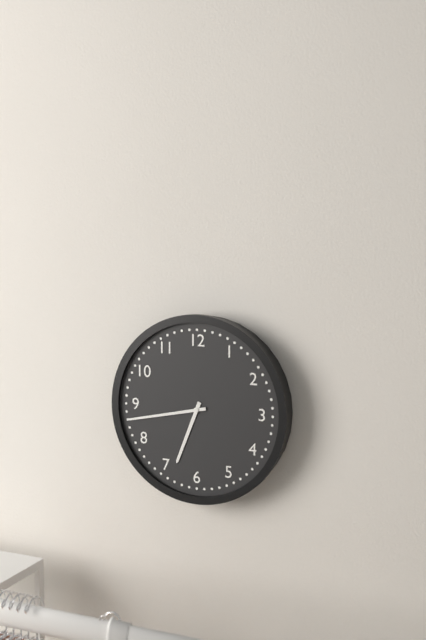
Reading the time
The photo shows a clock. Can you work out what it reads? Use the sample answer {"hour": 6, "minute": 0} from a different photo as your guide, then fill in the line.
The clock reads {"hour": 6, "minute": 43}
